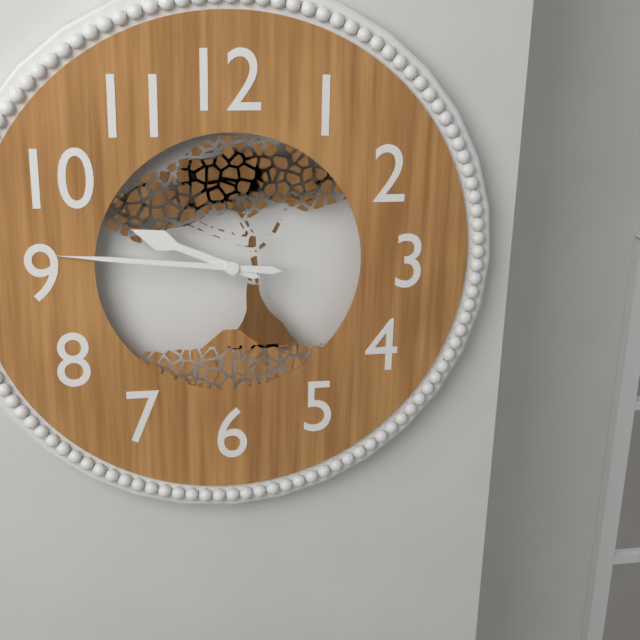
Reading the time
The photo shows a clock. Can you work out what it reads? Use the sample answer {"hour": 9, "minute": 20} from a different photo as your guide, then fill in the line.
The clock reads {"hour": 9, "minute": 46}
